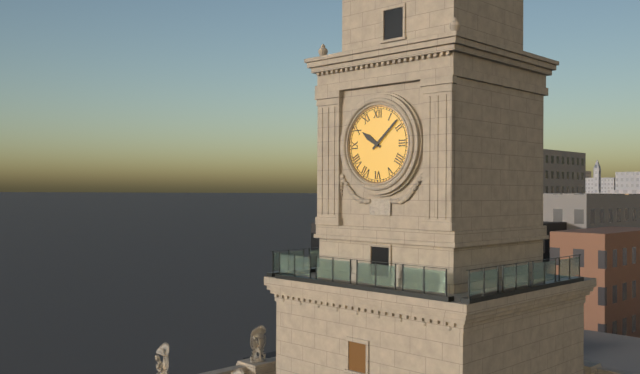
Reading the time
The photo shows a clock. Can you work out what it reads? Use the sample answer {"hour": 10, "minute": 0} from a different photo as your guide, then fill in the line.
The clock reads {"hour": 10, "minute": 8}
